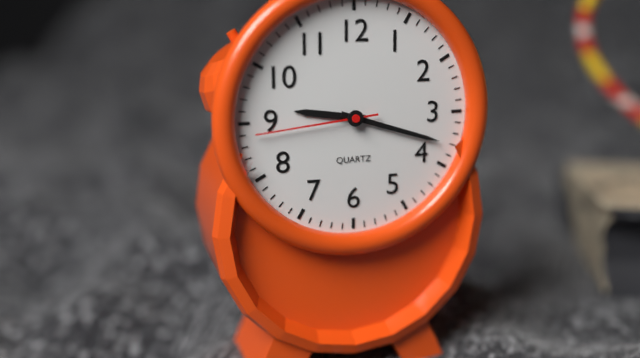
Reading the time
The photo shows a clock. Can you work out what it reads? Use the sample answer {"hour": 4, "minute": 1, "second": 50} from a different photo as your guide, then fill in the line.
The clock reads {"hour": 9, "minute": 18, "second": 44}
